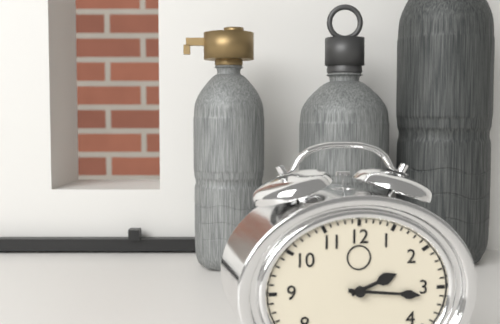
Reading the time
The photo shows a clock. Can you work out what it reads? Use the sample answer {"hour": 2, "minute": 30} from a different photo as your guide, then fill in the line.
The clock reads {"hour": 2, "minute": 16}
